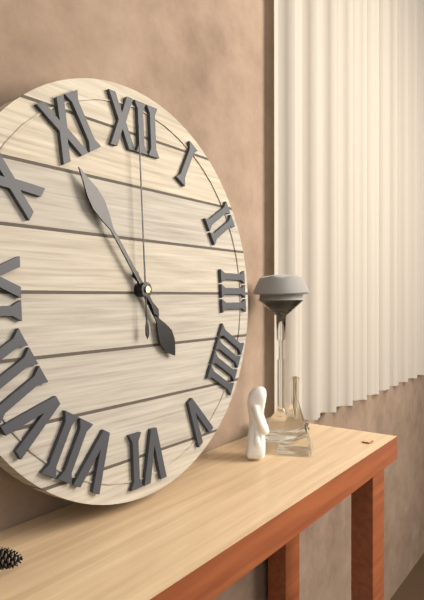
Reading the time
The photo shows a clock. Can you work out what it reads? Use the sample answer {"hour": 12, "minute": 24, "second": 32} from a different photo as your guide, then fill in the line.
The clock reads {"hour": 4, "minute": 54, "second": 0}
